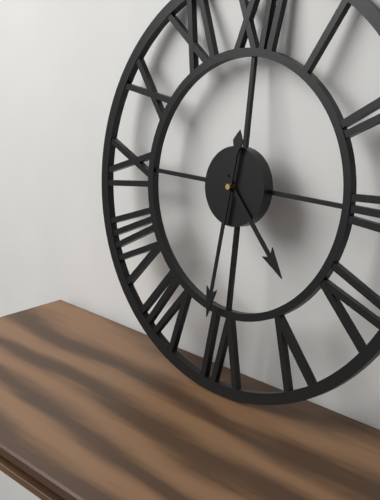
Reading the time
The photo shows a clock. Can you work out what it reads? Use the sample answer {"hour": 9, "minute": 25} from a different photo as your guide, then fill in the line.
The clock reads {"hour": 4, "minute": 31}
